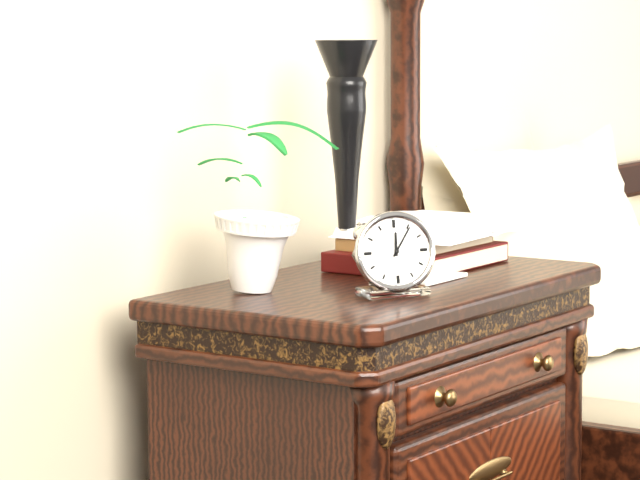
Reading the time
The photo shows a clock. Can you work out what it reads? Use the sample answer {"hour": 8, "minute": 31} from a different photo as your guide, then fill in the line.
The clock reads {"hour": 12, "minute": 6}
